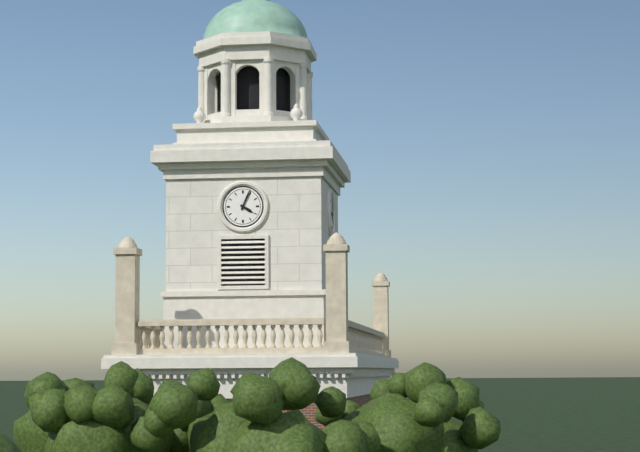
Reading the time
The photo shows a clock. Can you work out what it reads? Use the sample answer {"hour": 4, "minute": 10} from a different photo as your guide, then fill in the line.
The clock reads {"hour": 4, "minute": 4}
